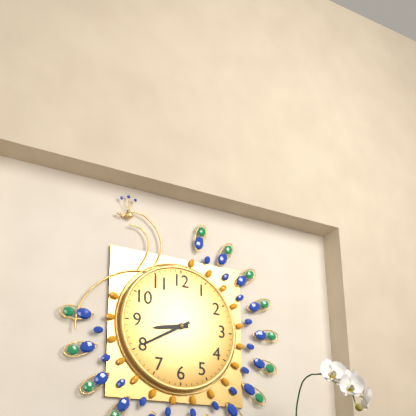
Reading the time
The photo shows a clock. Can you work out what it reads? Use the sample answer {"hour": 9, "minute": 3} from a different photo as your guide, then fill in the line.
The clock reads {"hour": 8, "minute": 40}
